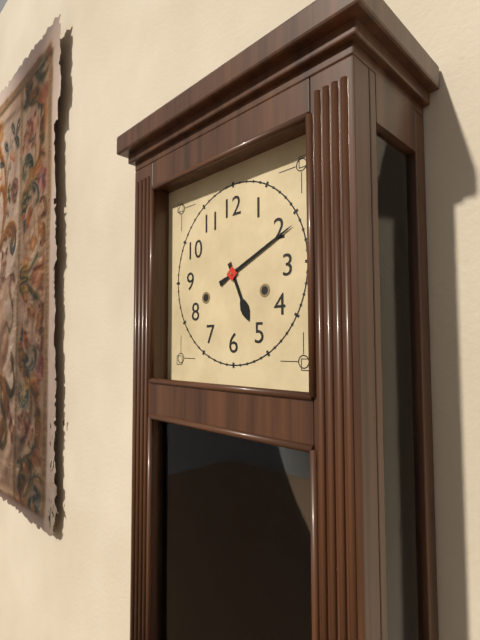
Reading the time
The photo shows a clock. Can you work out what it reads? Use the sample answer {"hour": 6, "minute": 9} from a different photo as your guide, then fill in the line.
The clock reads {"hour": 5, "minute": 11}
